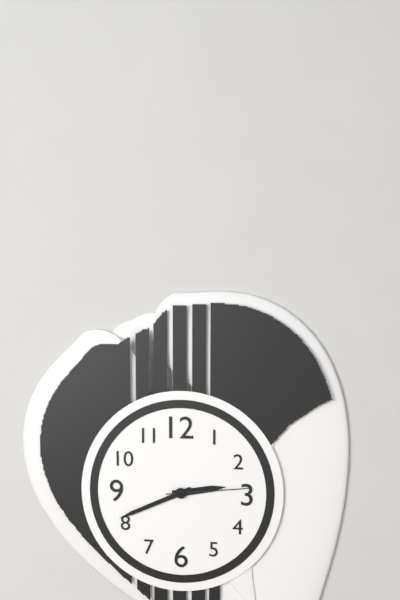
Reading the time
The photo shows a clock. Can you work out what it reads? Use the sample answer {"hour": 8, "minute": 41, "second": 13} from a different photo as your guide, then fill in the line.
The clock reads {"hour": 2, "minute": 41, "second": 14}
